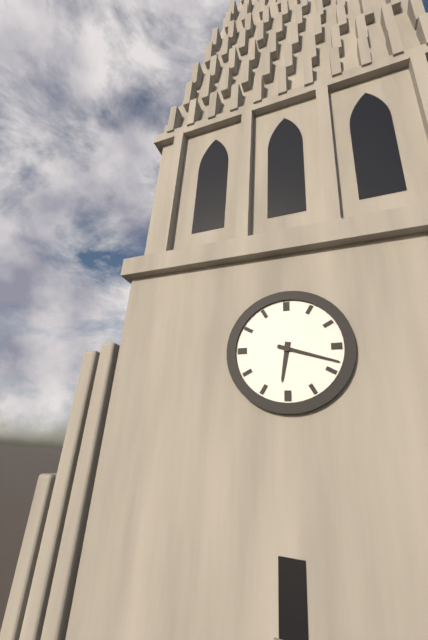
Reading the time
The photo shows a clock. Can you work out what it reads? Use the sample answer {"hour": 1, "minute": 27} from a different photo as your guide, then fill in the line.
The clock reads {"hour": 6, "minute": 18}
